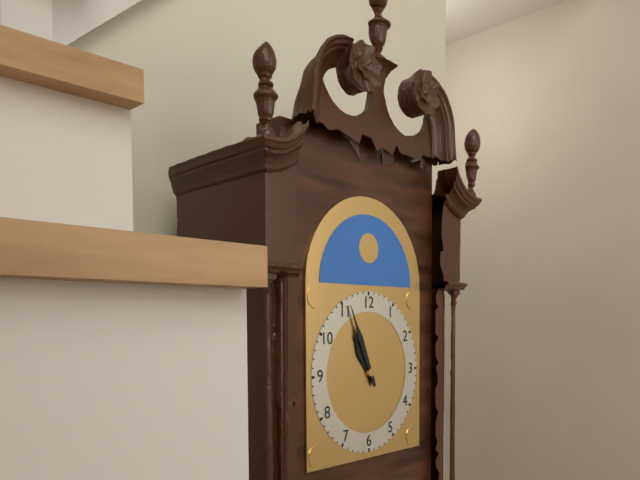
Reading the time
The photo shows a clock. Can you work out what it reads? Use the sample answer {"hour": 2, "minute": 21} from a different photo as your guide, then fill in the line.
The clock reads {"hour": 10, "minute": 56}
